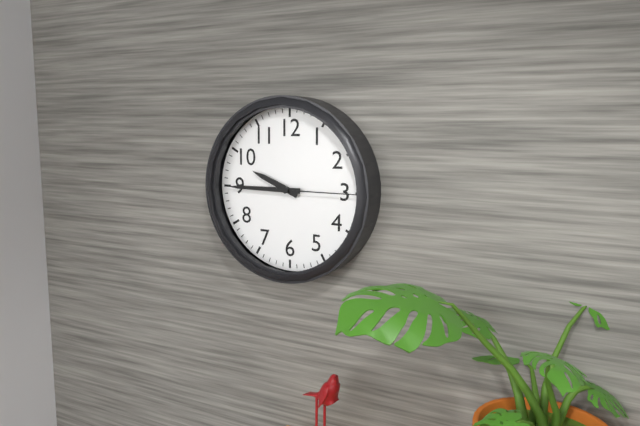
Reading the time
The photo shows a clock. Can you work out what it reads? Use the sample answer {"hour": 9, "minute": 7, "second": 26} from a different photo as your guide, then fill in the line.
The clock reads {"hour": 9, "minute": 45, "second": 15}
